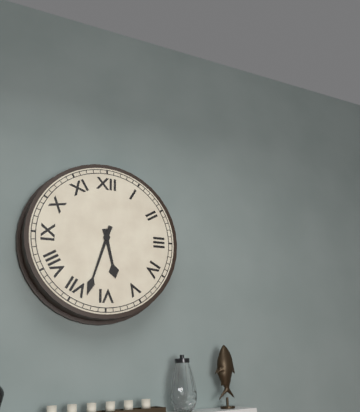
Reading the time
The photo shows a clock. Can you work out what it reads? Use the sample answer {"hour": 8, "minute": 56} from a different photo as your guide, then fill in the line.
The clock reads {"hour": 5, "minute": 33}
